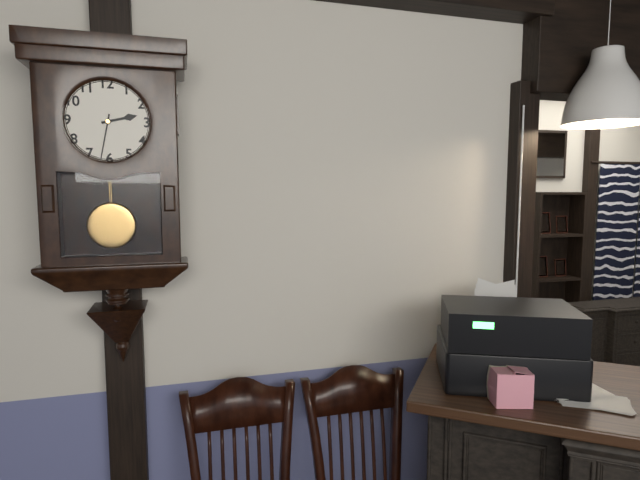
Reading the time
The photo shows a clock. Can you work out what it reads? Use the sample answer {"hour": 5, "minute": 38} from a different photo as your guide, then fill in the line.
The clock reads {"hour": 2, "minute": 32}
